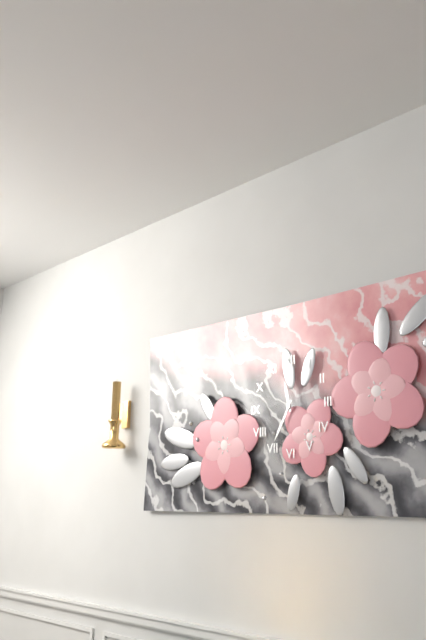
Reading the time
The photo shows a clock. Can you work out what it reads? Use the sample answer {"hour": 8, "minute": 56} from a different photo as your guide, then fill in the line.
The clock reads {"hour": 11, "minute": 35}
